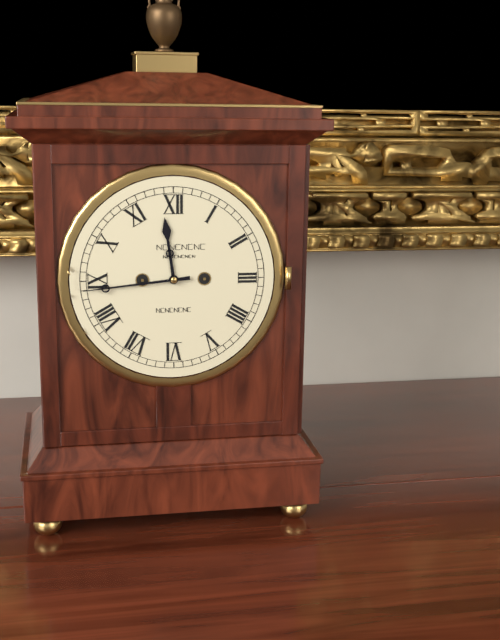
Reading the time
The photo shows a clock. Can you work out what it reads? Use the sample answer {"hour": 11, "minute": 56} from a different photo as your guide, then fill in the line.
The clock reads {"hour": 11, "minute": 44}
